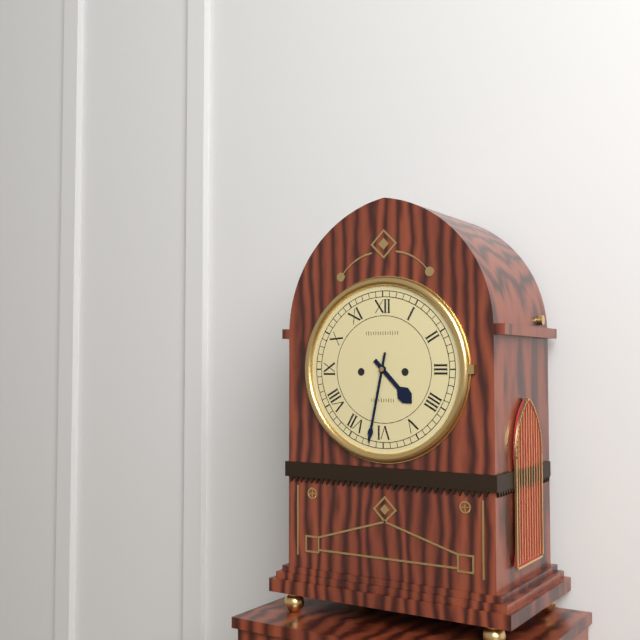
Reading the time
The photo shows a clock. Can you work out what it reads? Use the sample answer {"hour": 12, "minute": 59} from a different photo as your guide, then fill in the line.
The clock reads {"hour": 4, "minute": 32}
